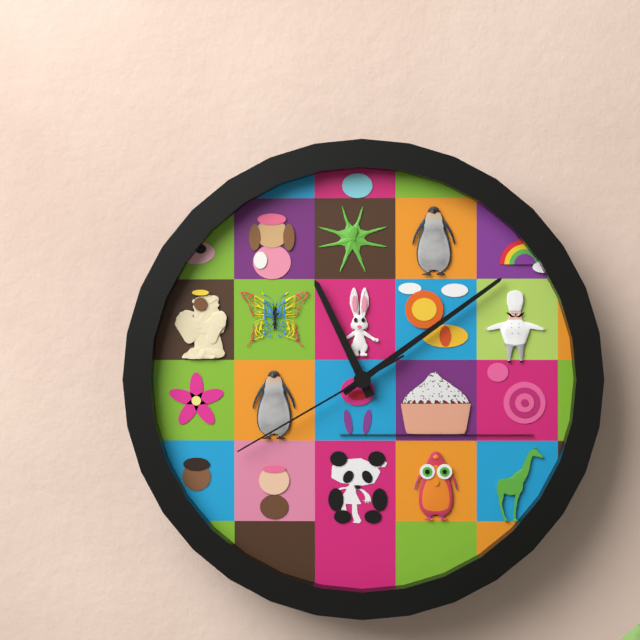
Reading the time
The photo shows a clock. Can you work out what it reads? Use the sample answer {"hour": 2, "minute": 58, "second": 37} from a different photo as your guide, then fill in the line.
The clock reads {"hour": 11, "minute": 9, "second": 40}
